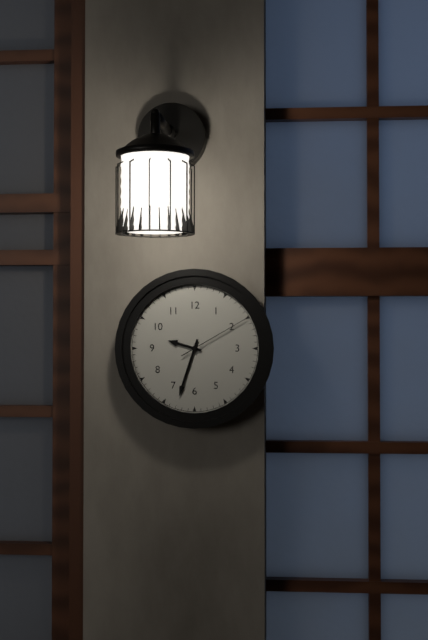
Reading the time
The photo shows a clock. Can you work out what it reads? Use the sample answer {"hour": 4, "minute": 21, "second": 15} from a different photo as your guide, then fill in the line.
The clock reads {"hour": 9, "minute": 33, "second": 10}
